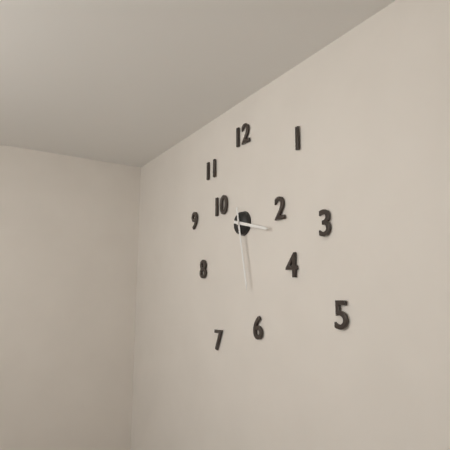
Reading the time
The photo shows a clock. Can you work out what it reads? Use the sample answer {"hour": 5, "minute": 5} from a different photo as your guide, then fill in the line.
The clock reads {"hour": 3, "minute": 28}
